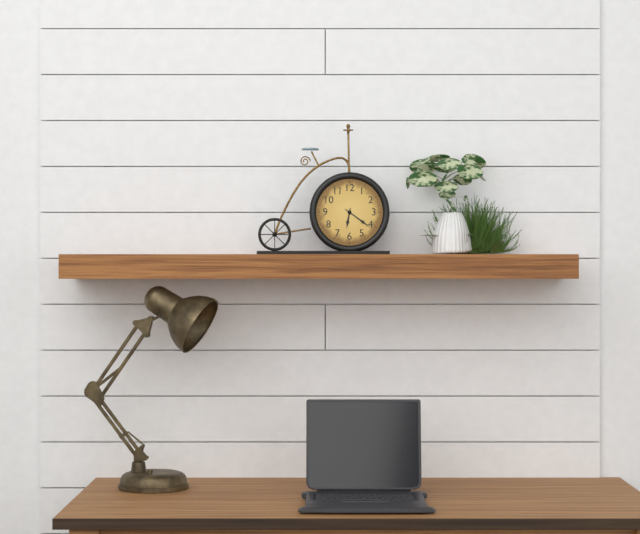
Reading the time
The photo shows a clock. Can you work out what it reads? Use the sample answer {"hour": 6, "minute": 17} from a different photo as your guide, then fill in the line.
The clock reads {"hour": 6, "minute": 21}
